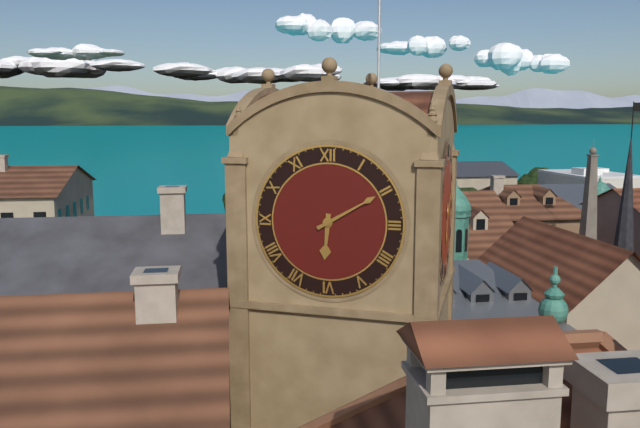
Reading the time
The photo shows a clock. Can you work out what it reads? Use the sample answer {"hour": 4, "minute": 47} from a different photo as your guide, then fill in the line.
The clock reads {"hour": 6, "minute": 10}
